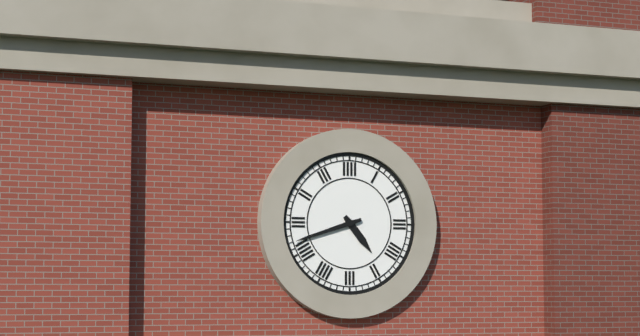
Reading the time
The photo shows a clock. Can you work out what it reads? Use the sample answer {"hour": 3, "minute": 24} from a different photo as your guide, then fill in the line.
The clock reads {"hour": 4, "minute": 42}
